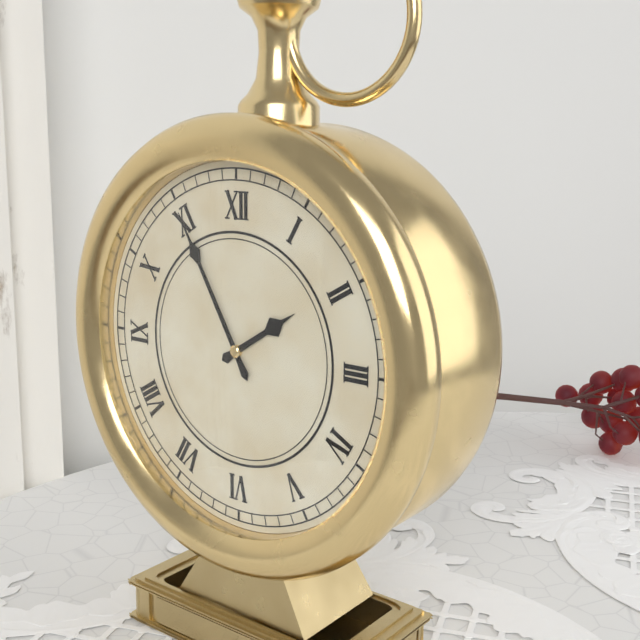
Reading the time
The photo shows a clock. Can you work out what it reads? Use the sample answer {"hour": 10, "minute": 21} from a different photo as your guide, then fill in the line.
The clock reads {"hour": 1, "minute": 55}
